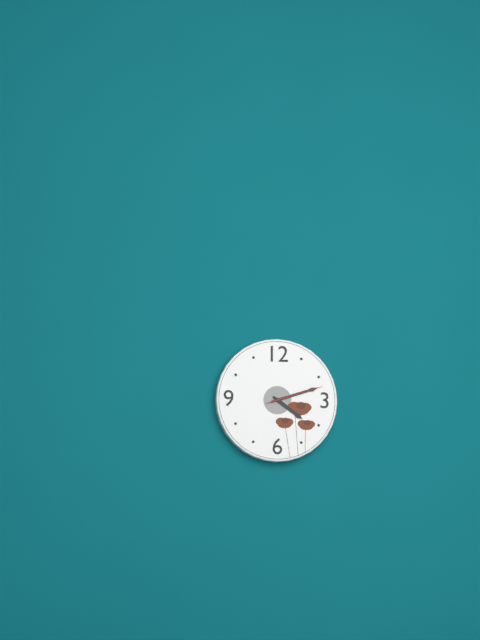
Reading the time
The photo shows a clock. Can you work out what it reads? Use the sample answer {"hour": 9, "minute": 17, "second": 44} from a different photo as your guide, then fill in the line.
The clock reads {"hour": 4, "minute": 12, "second": 12}
